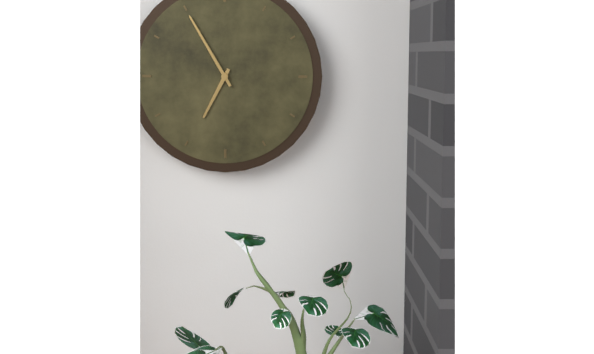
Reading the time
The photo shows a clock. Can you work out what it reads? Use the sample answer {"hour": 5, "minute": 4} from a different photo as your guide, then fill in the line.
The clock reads {"hour": 6, "minute": 55}
